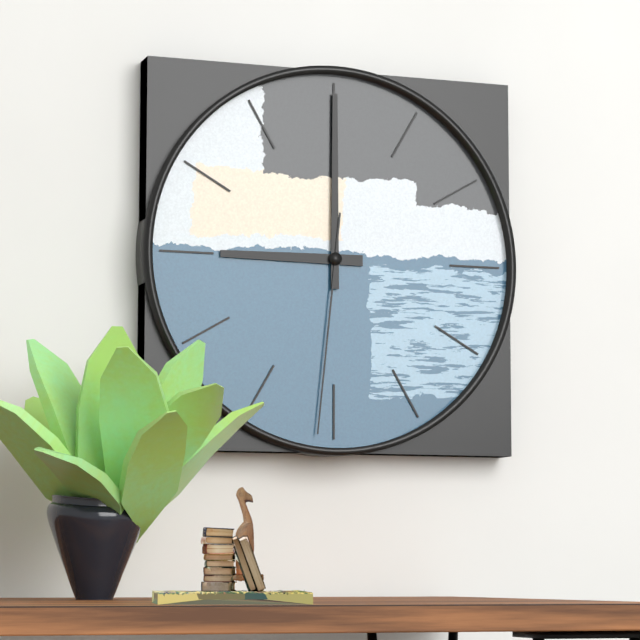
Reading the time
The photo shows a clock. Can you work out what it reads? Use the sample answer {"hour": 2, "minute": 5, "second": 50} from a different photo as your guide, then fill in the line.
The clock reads {"hour": 9, "minute": 0, "second": 31}
